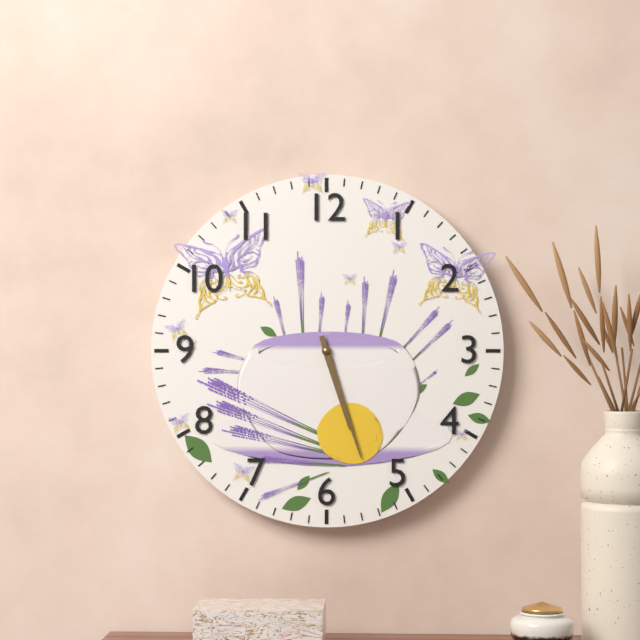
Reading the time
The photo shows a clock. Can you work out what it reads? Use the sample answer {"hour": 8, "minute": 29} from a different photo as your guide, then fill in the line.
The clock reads {"hour": 5, "minute": 27}
